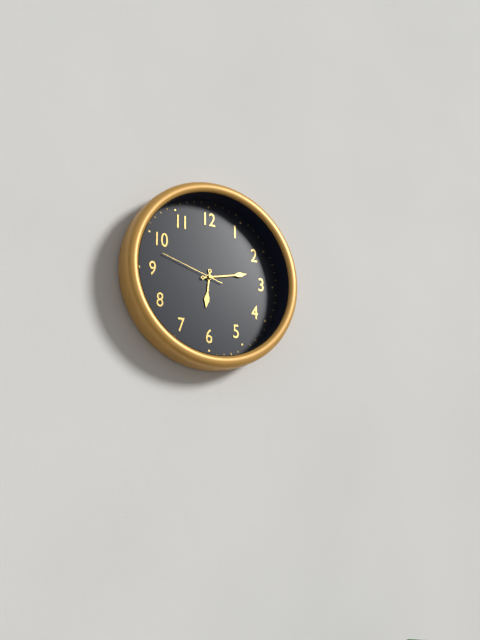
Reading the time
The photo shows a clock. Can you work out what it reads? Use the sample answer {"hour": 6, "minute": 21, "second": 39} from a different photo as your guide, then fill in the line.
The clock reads {"hour": 6, "minute": 13, "second": 48}
